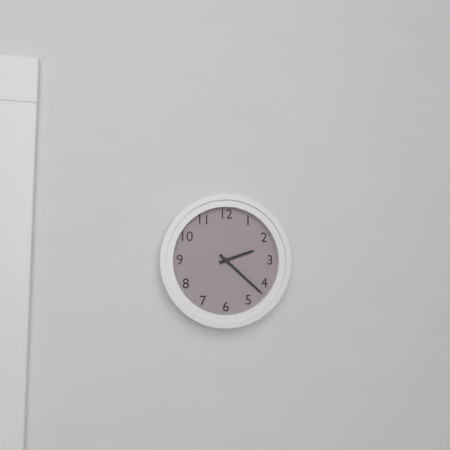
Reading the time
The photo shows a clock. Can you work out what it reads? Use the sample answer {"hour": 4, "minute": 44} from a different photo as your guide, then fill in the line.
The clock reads {"hour": 2, "minute": 22}
